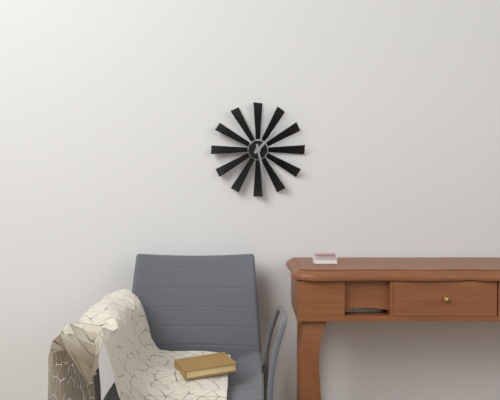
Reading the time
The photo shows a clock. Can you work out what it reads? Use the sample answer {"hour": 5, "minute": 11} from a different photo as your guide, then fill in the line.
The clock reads {"hour": 1, "minute": 28}
